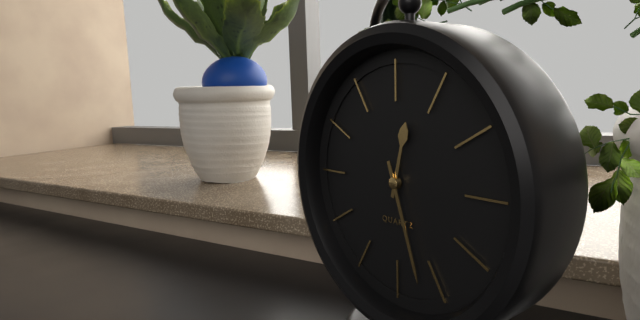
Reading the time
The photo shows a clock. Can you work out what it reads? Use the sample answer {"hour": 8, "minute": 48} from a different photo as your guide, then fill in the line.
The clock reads {"hour": 12, "minute": 27}
